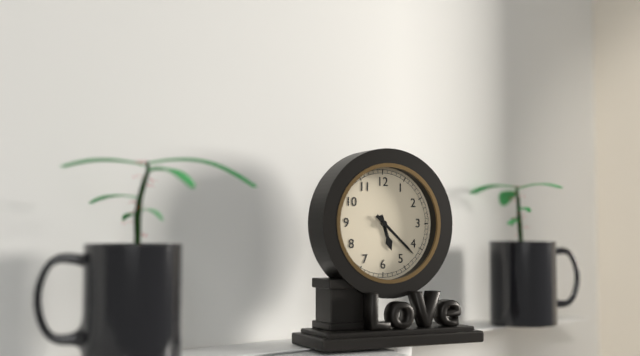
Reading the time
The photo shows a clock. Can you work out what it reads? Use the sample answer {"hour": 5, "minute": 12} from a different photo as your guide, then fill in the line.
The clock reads {"hour": 5, "minute": 22}
